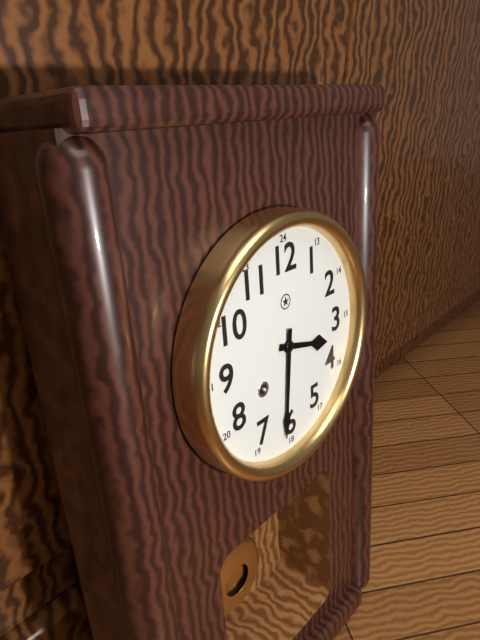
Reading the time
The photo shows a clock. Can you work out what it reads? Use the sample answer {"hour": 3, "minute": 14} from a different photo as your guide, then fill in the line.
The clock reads {"hour": 3, "minute": 31}
